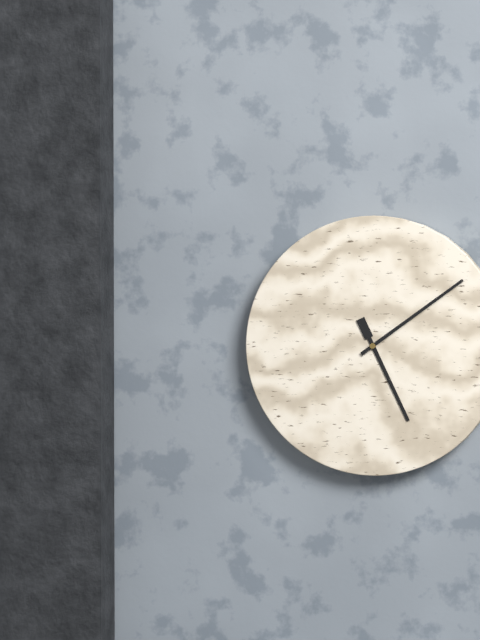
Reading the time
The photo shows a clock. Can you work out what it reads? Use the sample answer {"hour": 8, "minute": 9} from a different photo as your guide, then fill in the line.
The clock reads {"hour": 5, "minute": 9}
